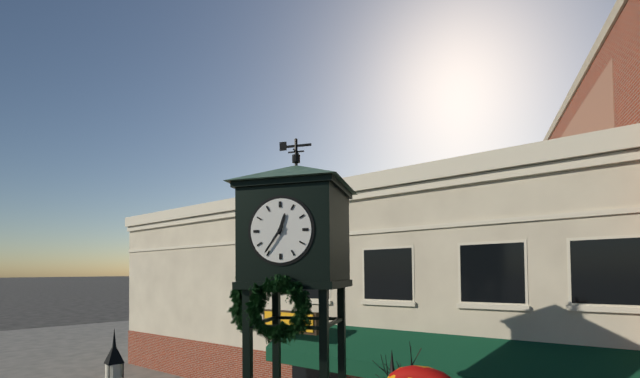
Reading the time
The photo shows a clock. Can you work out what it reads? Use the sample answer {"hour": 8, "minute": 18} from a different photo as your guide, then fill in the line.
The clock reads {"hour": 12, "minute": 36}
